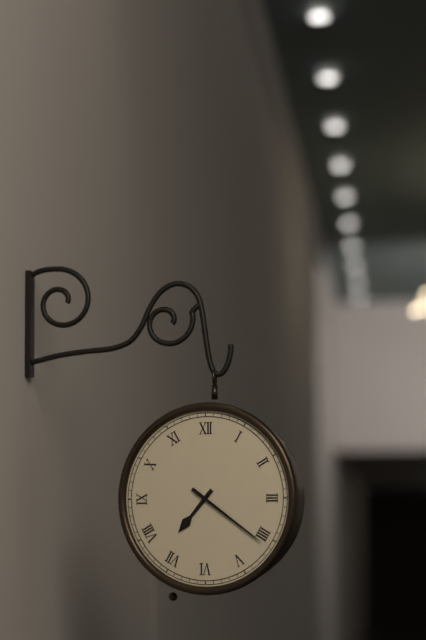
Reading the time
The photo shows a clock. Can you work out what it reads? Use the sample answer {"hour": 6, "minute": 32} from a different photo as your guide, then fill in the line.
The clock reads {"hour": 7, "minute": 21}
